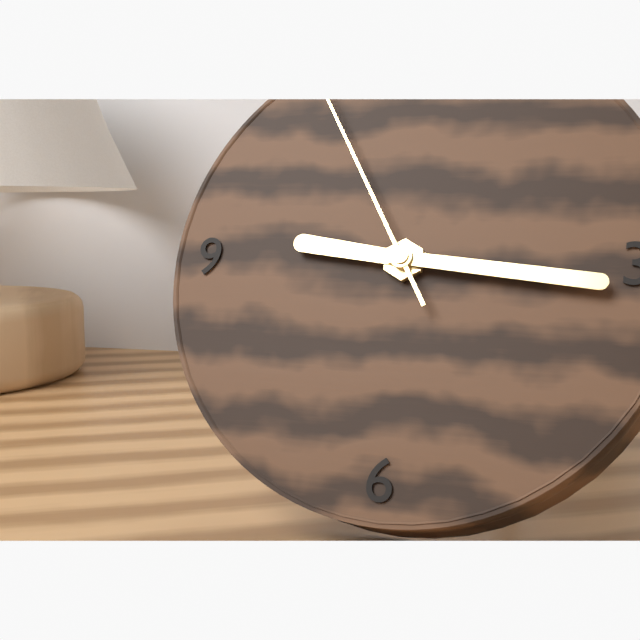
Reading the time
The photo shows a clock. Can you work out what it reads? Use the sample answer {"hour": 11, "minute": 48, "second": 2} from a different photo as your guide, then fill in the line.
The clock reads {"hour": 9, "minute": 16, "second": 55}
